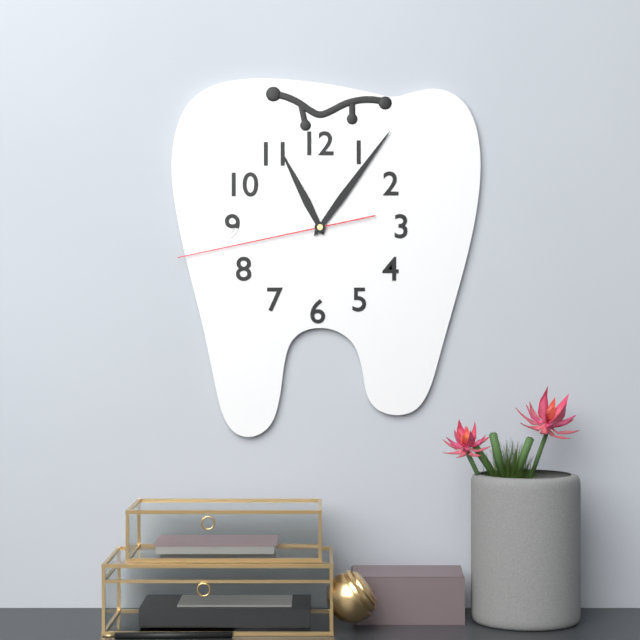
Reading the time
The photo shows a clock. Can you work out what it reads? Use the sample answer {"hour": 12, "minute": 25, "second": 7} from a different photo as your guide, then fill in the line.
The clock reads {"hour": 11, "minute": 6, "second": 43}
